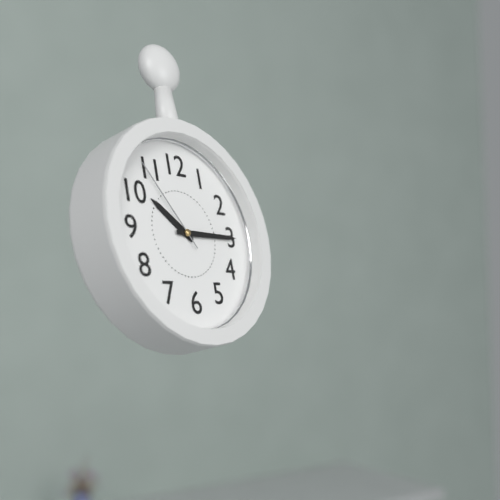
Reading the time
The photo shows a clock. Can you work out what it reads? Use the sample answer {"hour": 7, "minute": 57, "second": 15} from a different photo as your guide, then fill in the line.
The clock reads {"hour": 10, "minute": 15, "second": 54}
